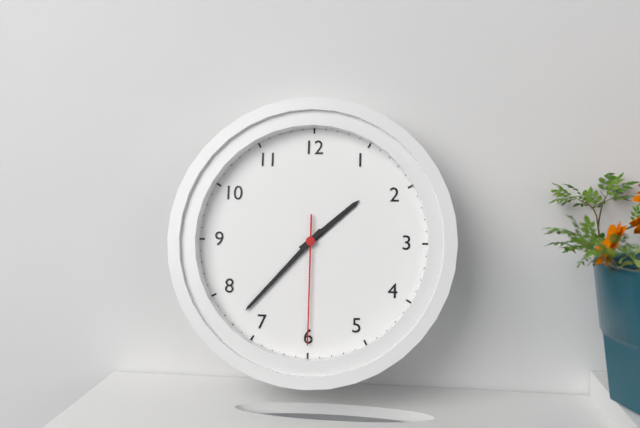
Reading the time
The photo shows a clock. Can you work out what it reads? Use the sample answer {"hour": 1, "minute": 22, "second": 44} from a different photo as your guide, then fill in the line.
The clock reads {"hour": 1, "minute": 37, "second": 30}
